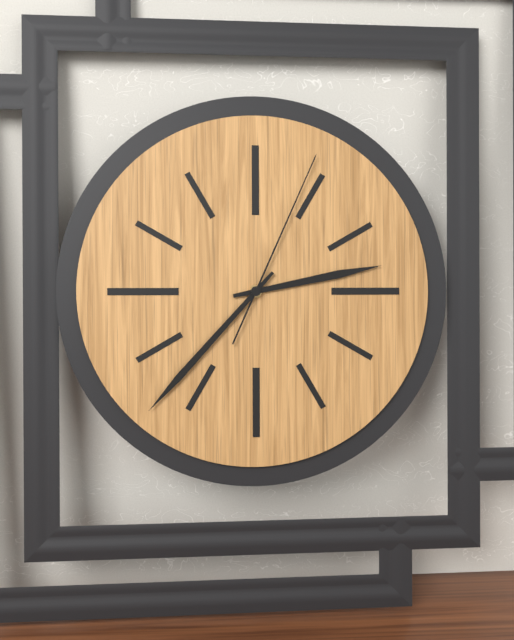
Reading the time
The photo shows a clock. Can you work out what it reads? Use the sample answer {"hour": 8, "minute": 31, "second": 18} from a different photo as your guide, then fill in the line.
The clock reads {"hour": 2, "minute": 37, "second": 4}
